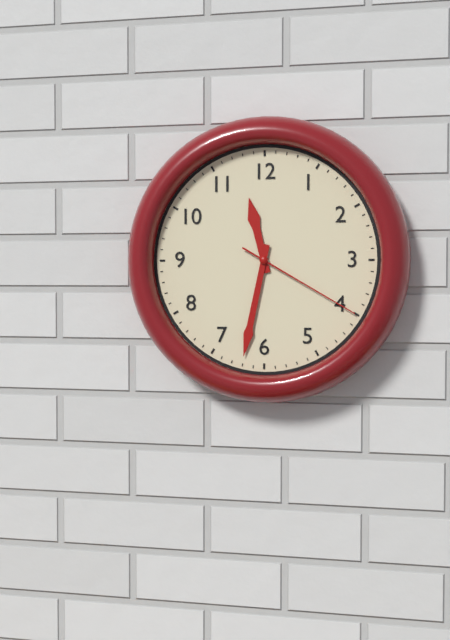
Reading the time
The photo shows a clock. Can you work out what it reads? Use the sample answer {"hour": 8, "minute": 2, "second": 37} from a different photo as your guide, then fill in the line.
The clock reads {"hour": 11, "minute": 32, "second": 20}
